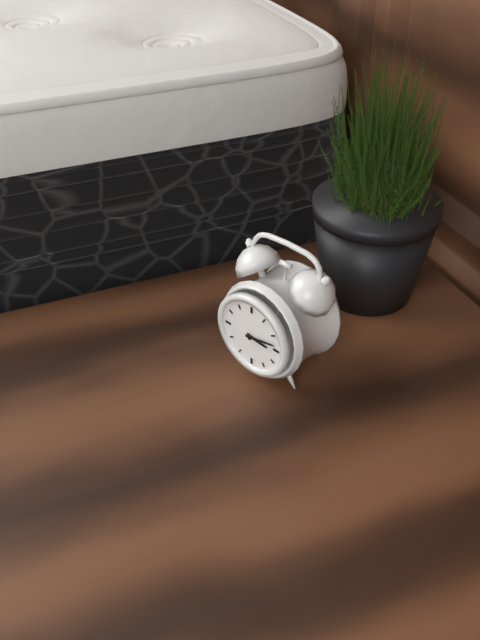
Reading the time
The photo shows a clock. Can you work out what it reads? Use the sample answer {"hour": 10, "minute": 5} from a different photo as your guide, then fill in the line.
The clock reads {"hour": 3, "minute": 13}
